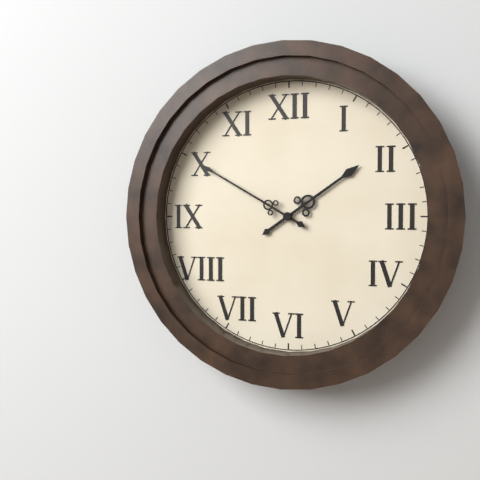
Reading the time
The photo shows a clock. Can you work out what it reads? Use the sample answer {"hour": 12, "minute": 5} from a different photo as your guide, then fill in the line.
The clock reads {"hour": 1, "minute": 50}
